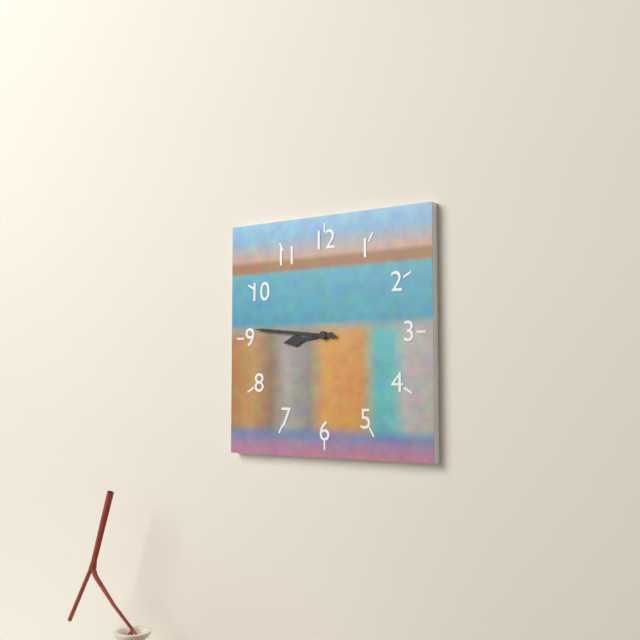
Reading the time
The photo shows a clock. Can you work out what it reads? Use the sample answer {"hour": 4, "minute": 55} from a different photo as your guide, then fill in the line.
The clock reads {"hour": 8, "minute": 46}
